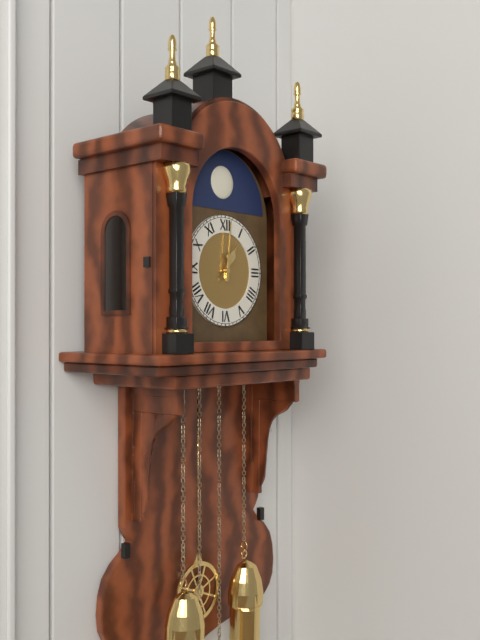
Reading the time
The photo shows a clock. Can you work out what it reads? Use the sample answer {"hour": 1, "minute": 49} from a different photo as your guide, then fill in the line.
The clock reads {"hour": 1, "minute": 1}
